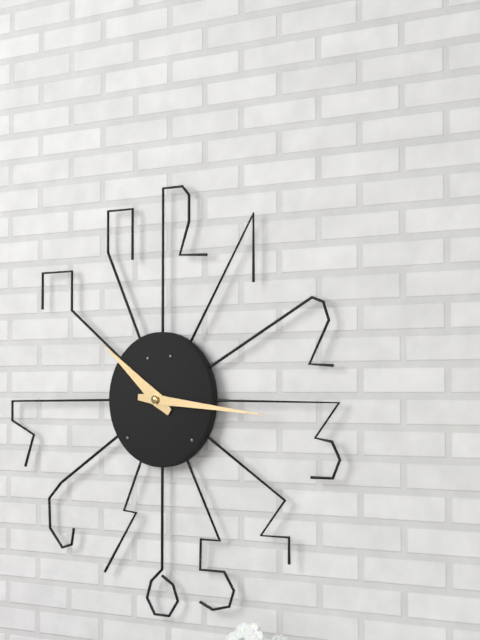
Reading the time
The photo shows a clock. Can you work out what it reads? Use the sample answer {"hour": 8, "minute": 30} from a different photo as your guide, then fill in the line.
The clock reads {"hour": 10, "minute": 16}
